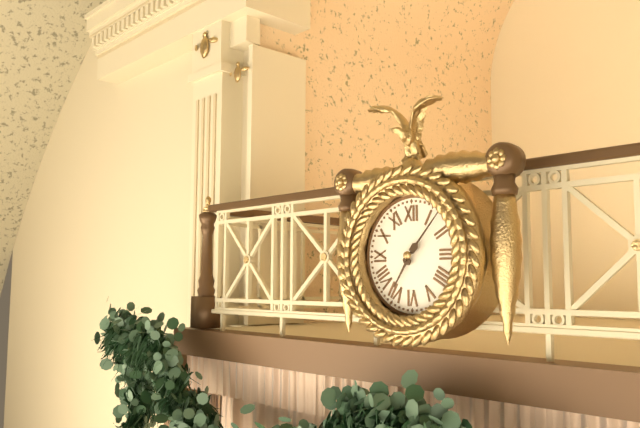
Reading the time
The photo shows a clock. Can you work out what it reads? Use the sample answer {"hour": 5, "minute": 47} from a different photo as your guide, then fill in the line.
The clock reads {"hour": 7, "minute": 7}
